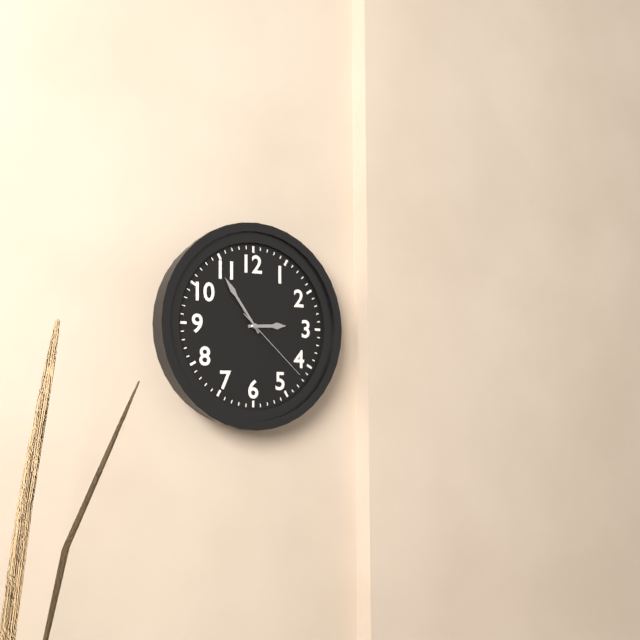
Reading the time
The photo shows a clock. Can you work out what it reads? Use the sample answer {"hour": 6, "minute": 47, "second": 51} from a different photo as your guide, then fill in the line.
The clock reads {"hour": 2, "minute": 54, "second": 22}
